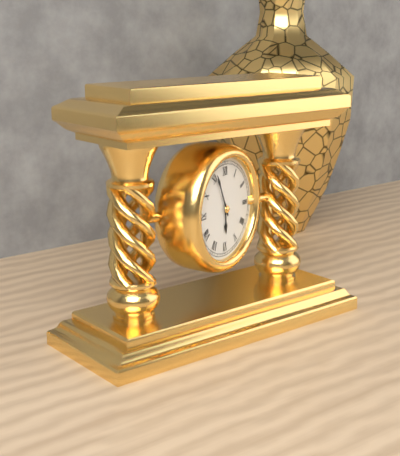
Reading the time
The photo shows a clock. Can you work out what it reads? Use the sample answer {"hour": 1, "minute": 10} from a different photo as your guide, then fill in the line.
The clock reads {"hour": 5, "minute": 56}
